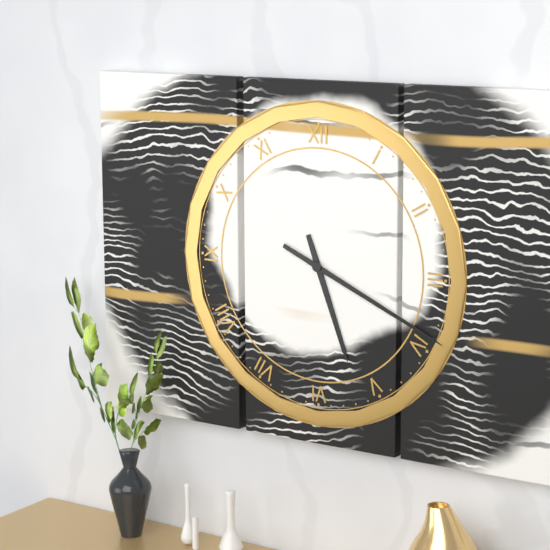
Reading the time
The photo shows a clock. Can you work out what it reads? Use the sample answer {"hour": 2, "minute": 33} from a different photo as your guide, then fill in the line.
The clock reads {"hour": 5, "minute": 19}
